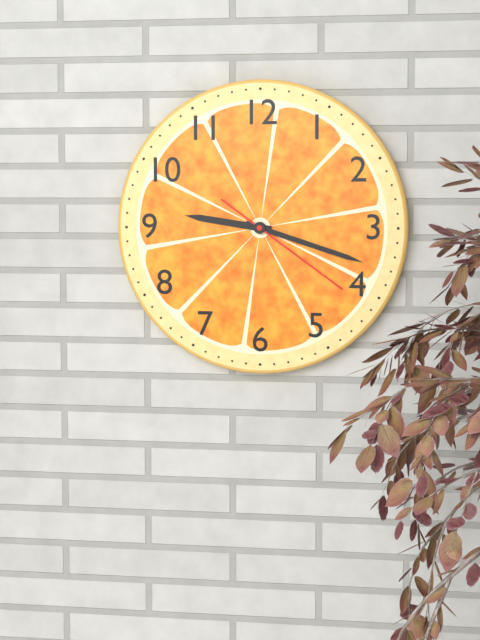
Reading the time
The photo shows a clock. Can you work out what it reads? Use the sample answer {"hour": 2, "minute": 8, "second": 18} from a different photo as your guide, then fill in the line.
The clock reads {"hour": 9, "minute": 18, "second": 21}
